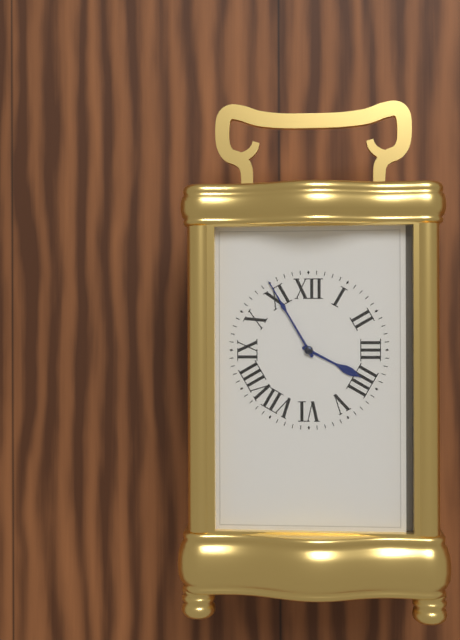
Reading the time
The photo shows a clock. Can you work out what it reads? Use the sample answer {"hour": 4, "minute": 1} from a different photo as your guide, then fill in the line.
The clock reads {"hour": 3, "minute": 55}
